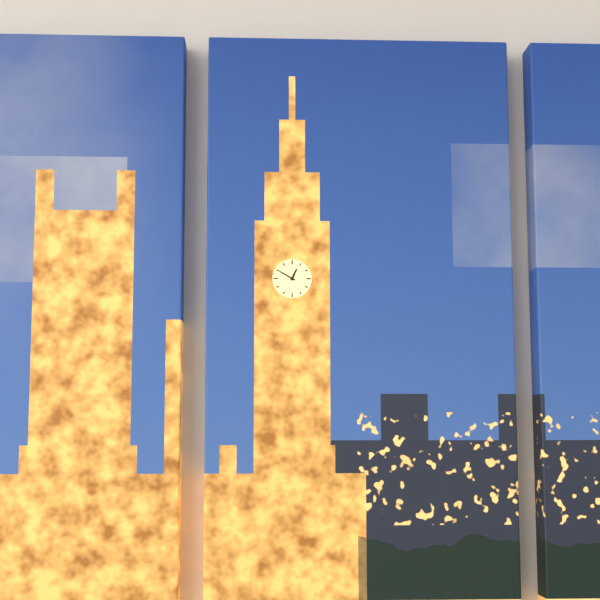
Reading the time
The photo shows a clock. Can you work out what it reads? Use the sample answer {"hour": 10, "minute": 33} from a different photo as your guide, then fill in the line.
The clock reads {"hour": 12, "minute": 50}
